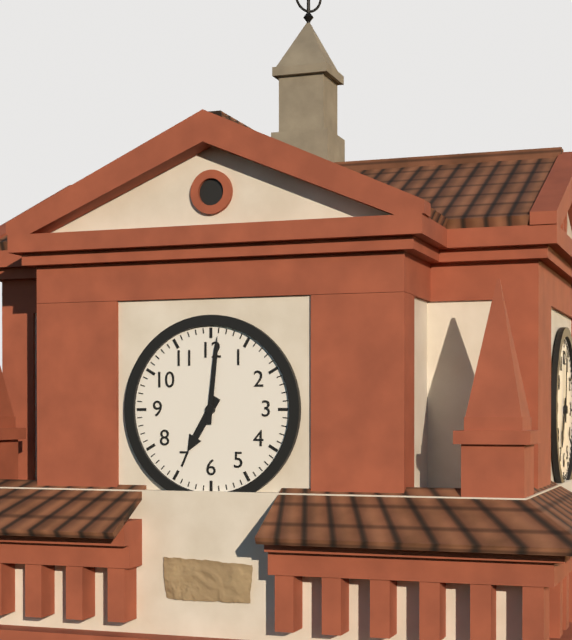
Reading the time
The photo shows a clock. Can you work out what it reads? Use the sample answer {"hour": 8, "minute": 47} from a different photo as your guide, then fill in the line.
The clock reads {"hour": 7, "minute": 1}
